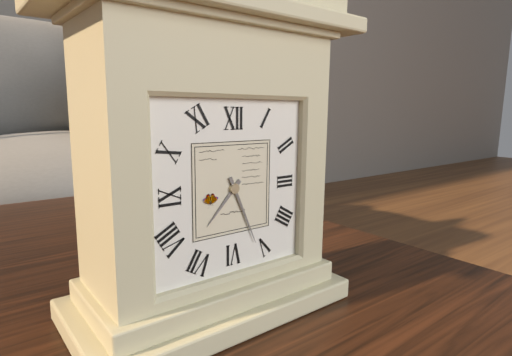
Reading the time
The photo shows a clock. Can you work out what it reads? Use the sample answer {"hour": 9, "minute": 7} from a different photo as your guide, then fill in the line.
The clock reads {"hour": 7, "minute": 26}
